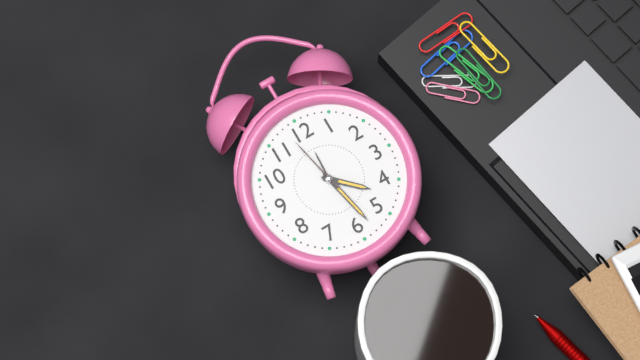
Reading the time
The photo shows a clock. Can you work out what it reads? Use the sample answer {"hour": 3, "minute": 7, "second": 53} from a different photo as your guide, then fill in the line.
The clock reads {"hour": 4, "minute": 28, "second": 58}
